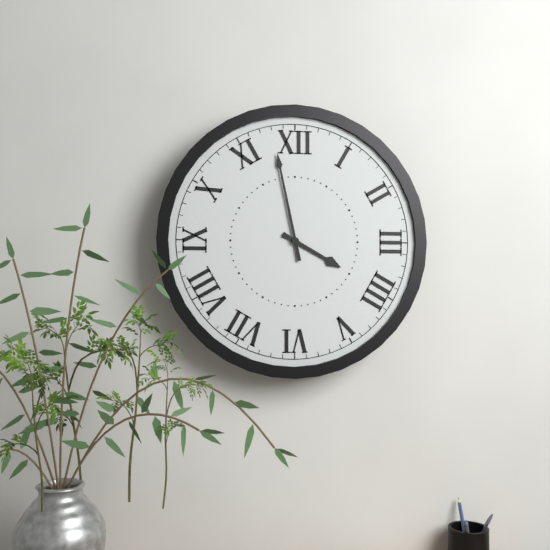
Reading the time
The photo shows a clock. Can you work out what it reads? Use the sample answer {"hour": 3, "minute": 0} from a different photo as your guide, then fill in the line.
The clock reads {"hour": 3, "minute": 58}
